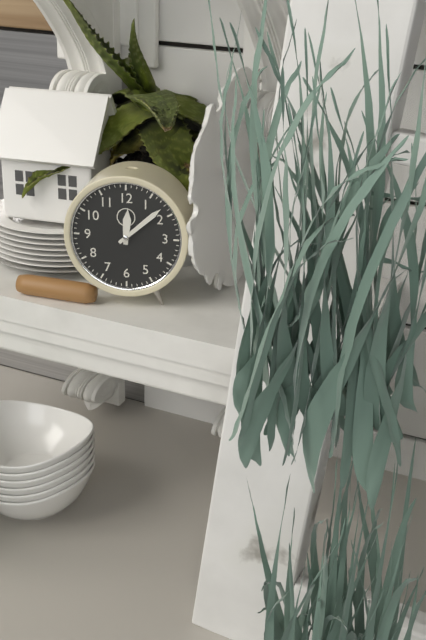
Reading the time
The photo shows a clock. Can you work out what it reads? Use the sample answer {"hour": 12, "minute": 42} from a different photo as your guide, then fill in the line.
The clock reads {"hour": 12, "minute": 8}
